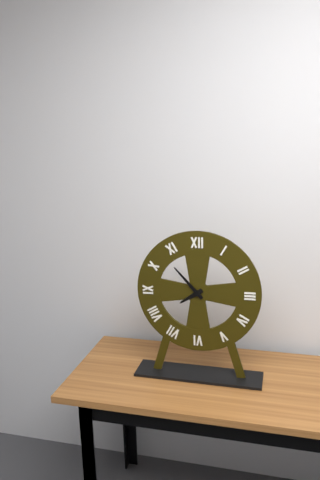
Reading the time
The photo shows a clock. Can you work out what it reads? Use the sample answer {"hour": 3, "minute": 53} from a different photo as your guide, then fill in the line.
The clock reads {"hour": 7, "minute": 53}
